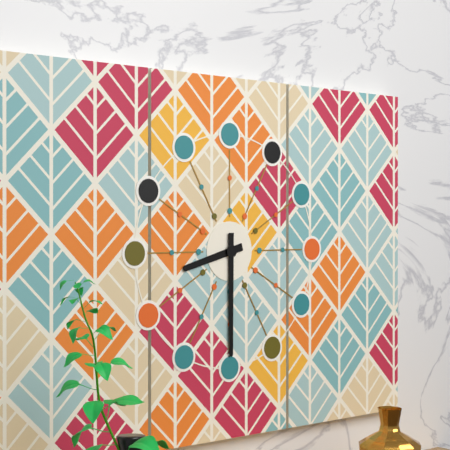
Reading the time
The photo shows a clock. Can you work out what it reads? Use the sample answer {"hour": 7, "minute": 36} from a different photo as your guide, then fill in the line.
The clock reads {"hour": 8, "minute": 30}
